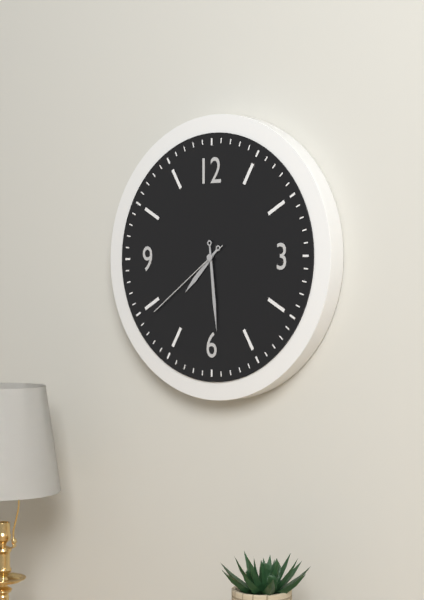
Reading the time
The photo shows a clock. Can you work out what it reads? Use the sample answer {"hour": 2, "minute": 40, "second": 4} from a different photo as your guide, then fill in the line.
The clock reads {"hour": 7, "minute": 29, "second": 39}
